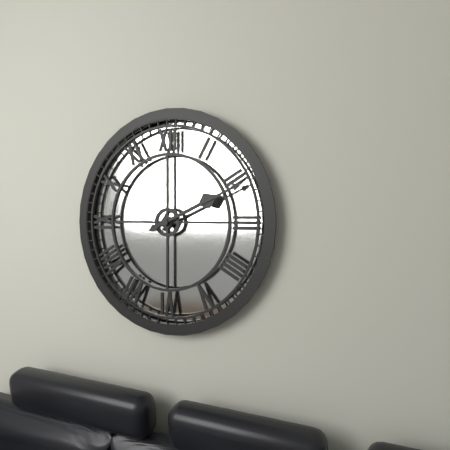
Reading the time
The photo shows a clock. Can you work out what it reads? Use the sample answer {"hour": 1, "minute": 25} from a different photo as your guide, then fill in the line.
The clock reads {"hour": 2, "minute": 11}
